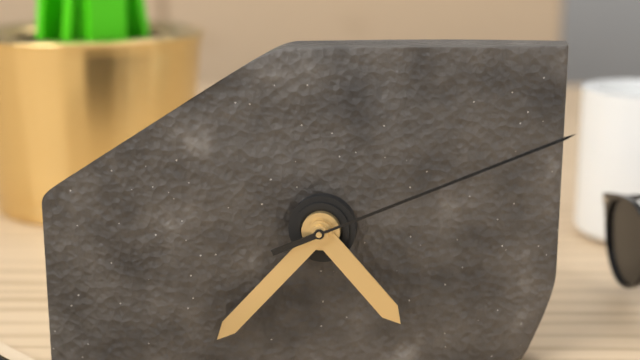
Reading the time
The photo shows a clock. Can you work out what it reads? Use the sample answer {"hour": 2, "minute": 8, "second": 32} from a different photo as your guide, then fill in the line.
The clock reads {"hour": 4, "minute": 37, "second": 11}
